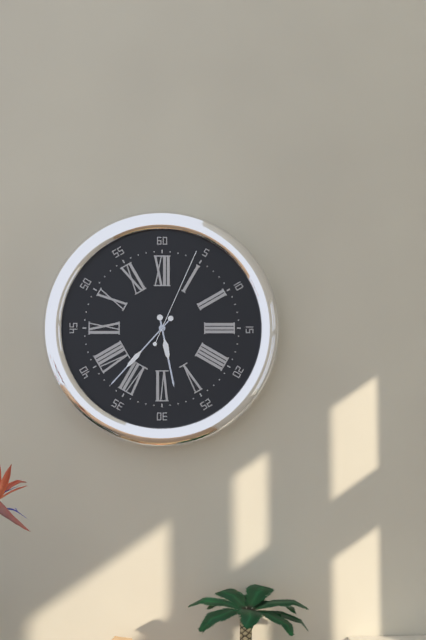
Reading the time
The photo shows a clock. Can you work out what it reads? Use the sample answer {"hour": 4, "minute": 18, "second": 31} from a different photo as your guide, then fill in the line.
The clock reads {"hour": 5, "minute": 37, "second": 4}
